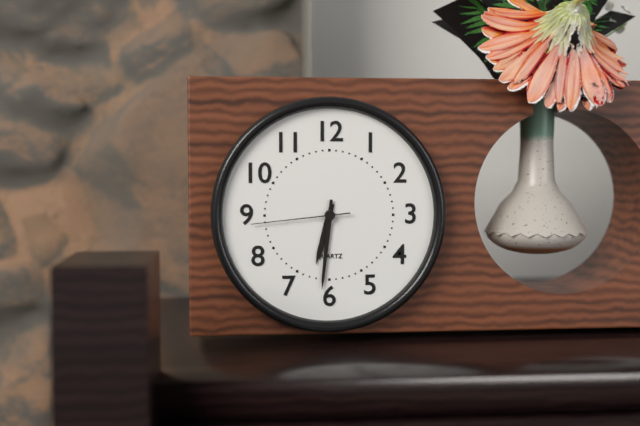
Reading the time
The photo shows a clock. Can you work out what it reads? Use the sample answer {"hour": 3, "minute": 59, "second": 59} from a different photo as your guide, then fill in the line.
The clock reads {"hour": 6, "minute": 31, "second": 44}
